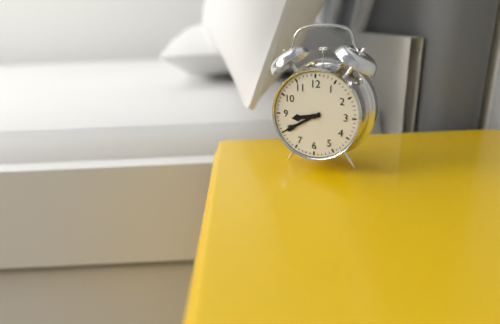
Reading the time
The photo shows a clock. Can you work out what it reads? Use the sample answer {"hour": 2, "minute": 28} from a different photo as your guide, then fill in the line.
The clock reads {"hour": 8, "minute": 40}
